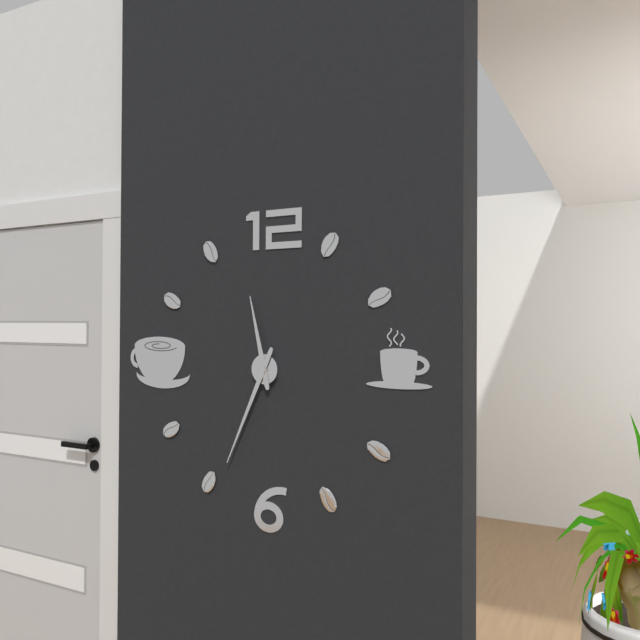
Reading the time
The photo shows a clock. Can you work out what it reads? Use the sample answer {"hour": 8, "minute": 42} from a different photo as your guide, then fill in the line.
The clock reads {"hour": 11, "minute": 34}
